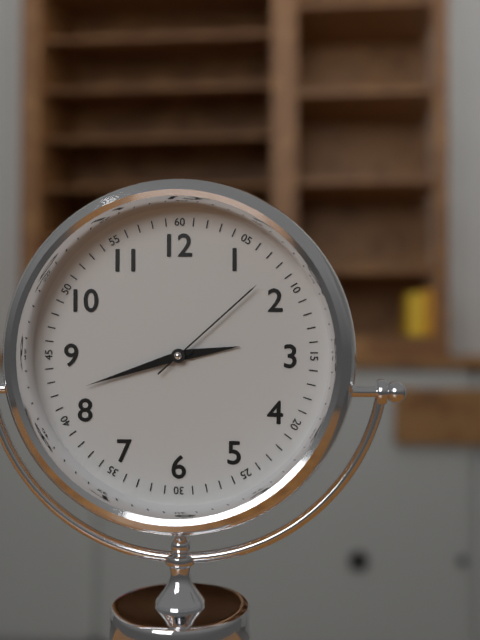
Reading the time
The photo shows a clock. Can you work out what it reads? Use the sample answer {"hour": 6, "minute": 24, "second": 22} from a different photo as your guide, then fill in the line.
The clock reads {"hour": 2, "minute": 42, "second": 8}
